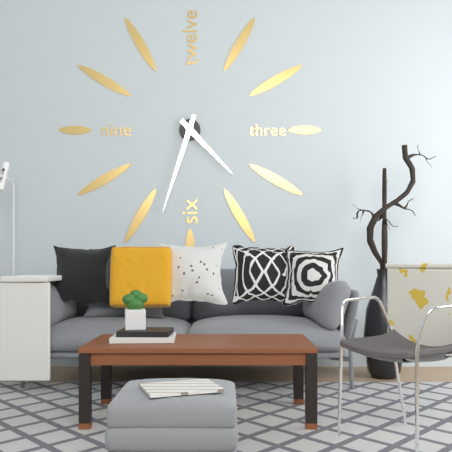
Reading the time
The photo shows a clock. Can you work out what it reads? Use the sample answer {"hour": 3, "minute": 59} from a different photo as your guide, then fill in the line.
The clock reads {"hour": 4, "minute": 33}
